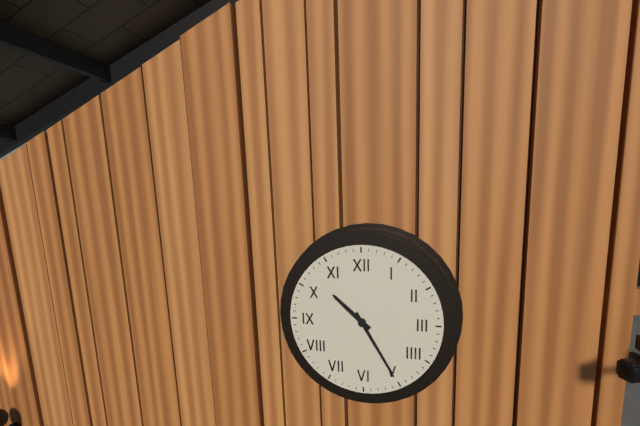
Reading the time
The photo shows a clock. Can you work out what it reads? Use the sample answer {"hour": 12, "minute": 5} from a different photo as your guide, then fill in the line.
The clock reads {"hour": 10, "minute": 25}
